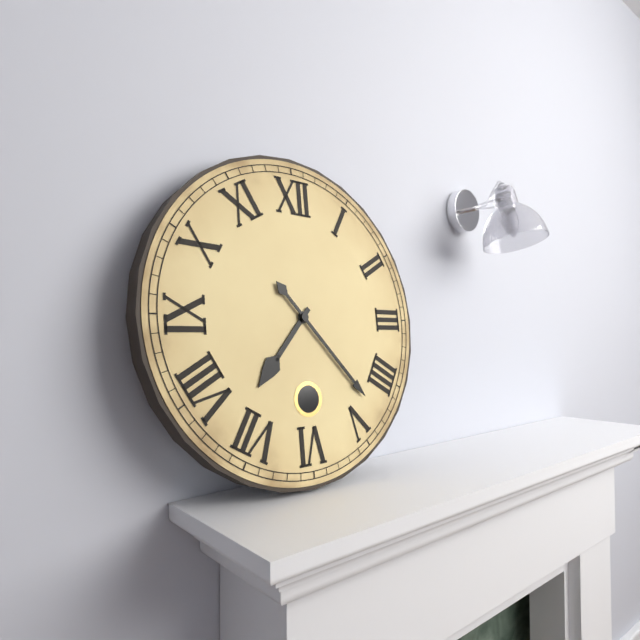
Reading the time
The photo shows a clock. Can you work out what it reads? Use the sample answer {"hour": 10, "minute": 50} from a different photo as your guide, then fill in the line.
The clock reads {"hour": 7, "minute": 23}
